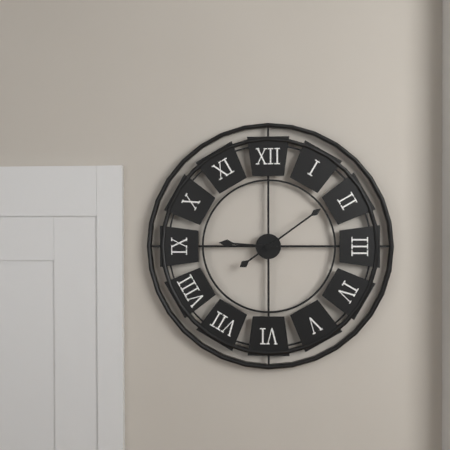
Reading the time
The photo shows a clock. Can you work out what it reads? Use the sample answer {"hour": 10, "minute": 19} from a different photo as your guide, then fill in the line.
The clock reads {"hour": 9, "minute": 9}
